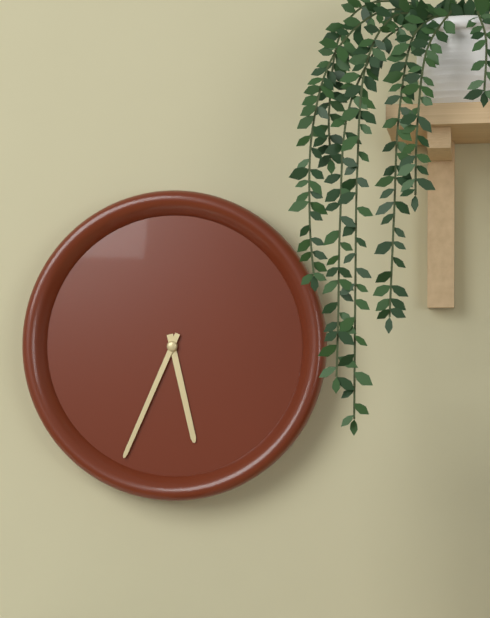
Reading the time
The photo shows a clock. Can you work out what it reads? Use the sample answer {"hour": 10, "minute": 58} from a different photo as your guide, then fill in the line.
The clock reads {"hour": 5, "minute": 34}
